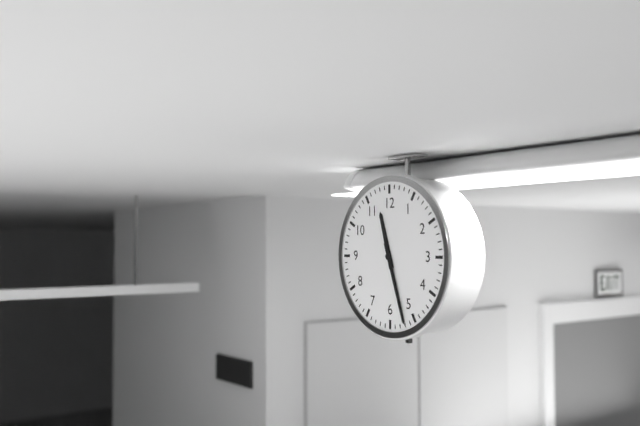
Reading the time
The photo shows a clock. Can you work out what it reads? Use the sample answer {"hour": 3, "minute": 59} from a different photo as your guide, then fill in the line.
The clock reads {"hour": 11, "minute": 27}
